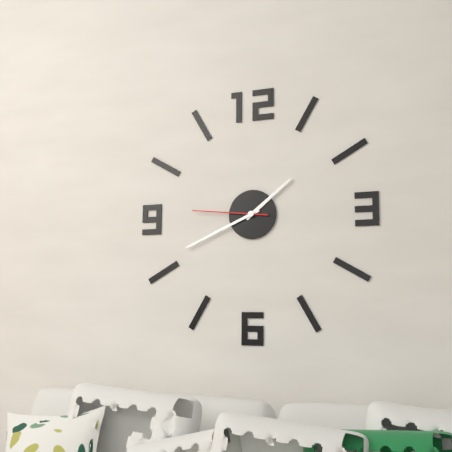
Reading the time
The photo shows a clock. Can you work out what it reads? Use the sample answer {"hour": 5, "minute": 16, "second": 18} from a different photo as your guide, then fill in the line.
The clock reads {"hour": 1, "minute": 41, "second": 46}
